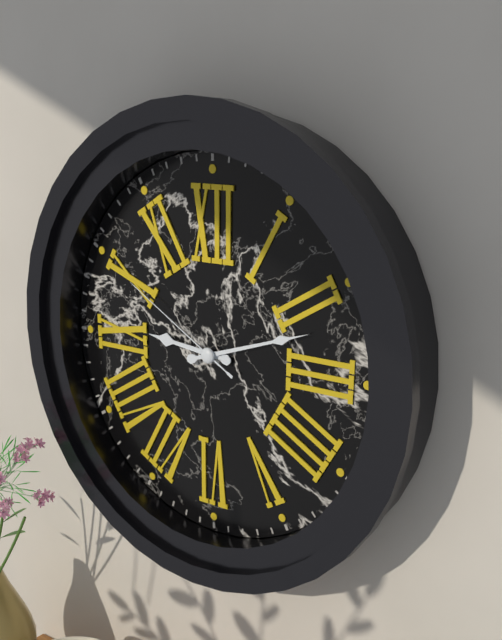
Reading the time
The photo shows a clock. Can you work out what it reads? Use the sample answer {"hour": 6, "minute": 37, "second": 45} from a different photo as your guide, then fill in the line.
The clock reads {"hour": 9, "minute": 12, "second": 50}
